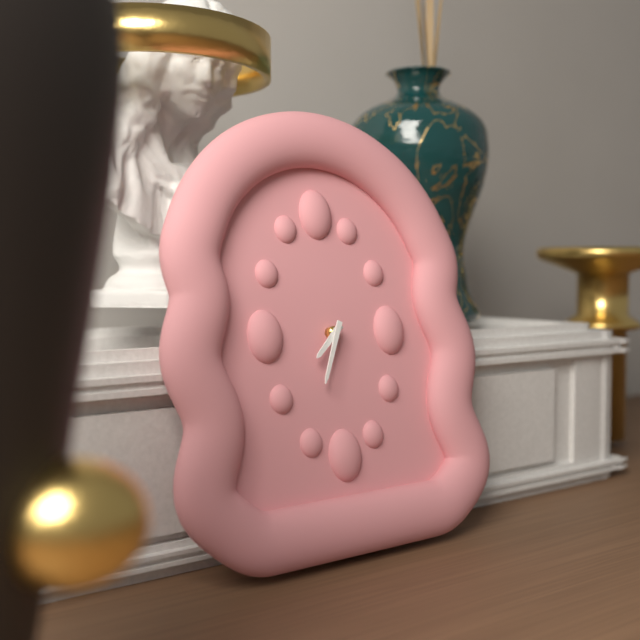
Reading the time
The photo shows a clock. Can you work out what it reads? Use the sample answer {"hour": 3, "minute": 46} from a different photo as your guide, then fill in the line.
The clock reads {"hour": 7, "minute": 34}
